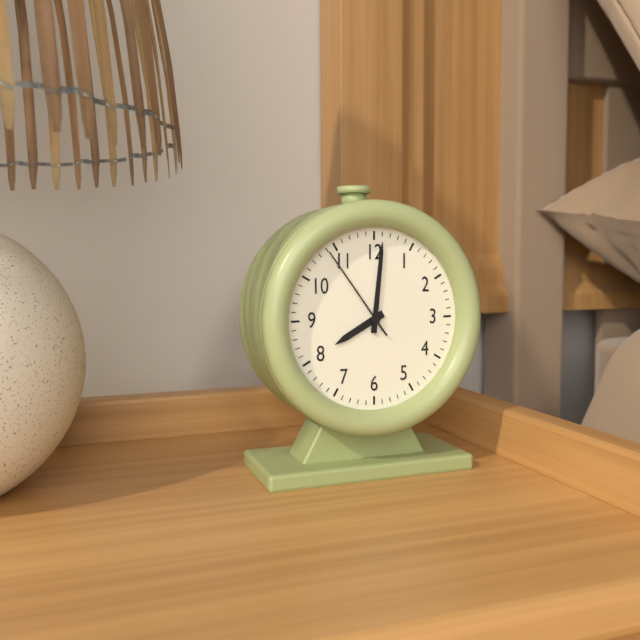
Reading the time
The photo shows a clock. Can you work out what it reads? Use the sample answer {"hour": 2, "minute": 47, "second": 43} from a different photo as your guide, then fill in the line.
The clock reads {"hour": 8, "minute": 1, "second": 54}
